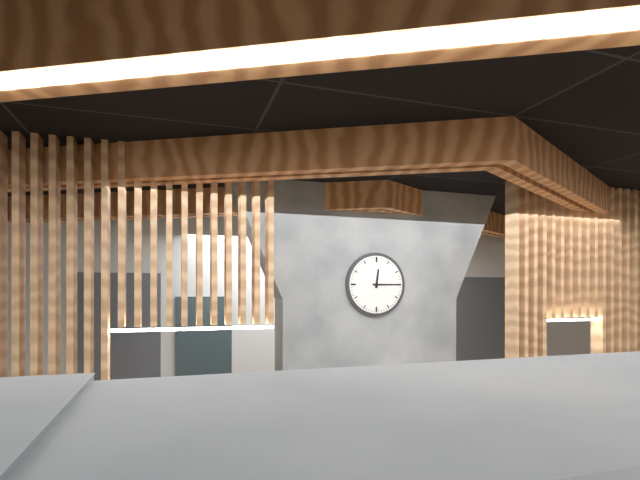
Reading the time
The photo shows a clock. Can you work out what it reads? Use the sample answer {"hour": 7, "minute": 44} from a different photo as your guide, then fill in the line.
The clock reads {"hour": 12, "minute": 15}
